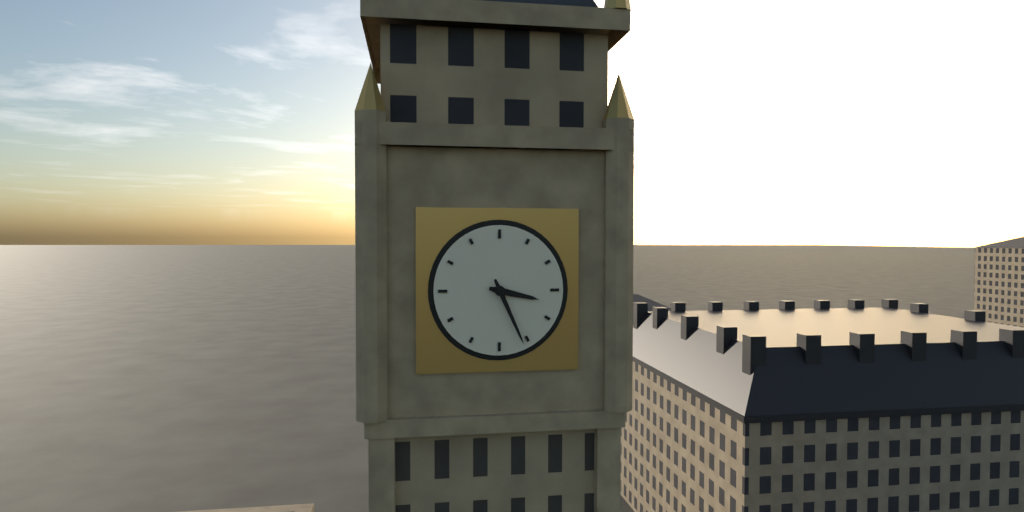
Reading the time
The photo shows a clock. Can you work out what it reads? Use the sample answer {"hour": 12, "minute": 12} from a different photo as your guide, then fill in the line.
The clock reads {"hour": 3, "minute": 26}
